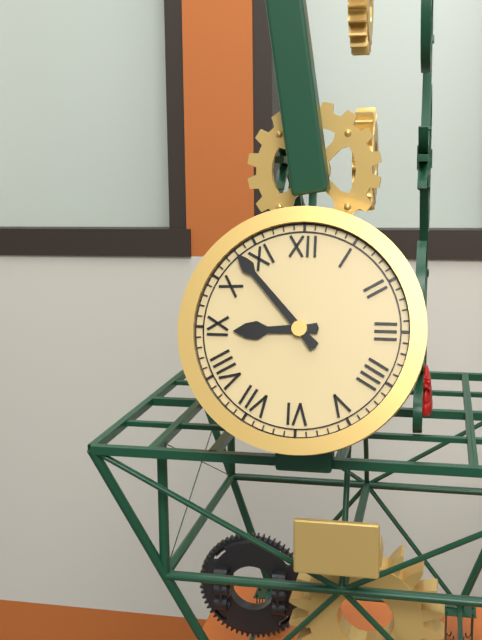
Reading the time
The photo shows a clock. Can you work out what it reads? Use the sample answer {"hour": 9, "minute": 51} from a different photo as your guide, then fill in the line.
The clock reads {"hour": 8, "minute": 53}
